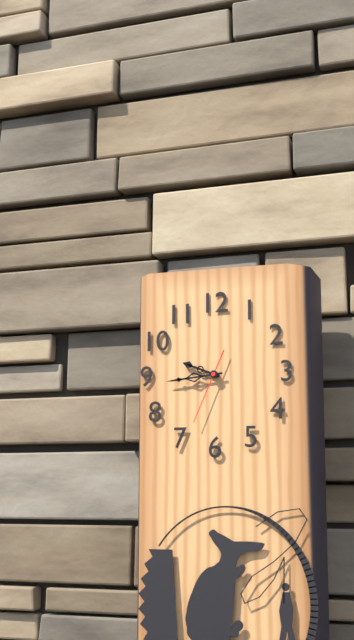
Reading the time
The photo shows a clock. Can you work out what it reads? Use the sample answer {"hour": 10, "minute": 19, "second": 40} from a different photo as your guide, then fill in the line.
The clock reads {"hour": 9, "minute": 44, "second": 34}
